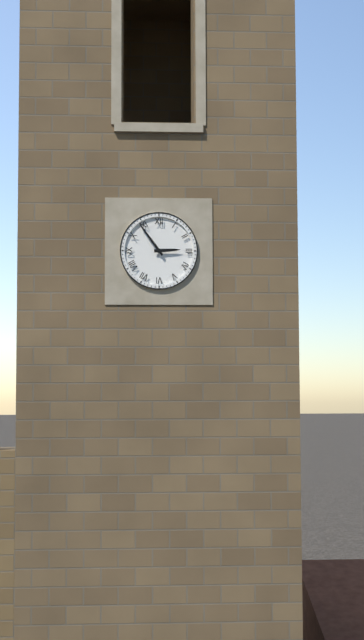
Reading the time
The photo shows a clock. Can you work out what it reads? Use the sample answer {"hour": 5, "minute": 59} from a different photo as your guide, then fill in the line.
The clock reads {"hour": 2, "minute": 54}
